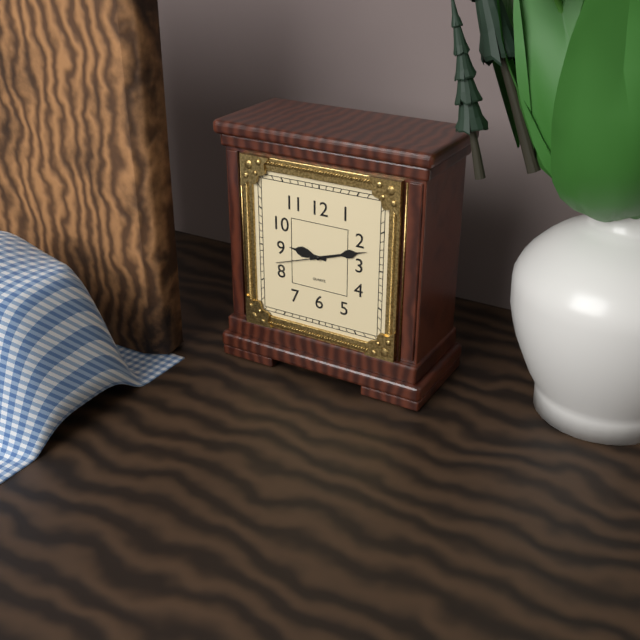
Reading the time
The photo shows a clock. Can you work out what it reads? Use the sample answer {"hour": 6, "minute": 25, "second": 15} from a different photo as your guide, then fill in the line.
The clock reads {"hour": 9, "minute": 12, "second": 42}
